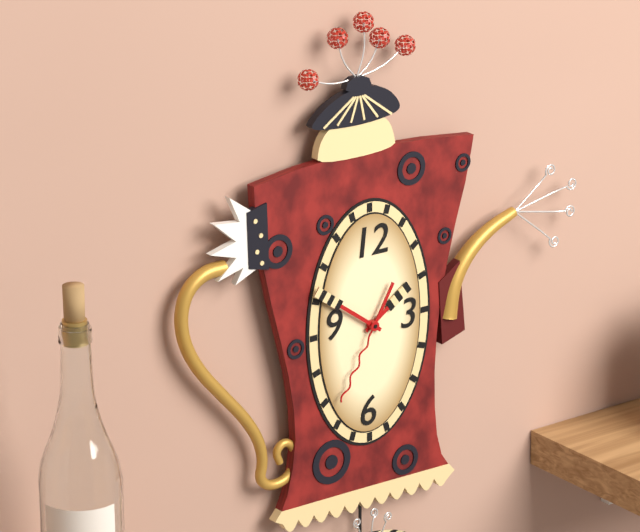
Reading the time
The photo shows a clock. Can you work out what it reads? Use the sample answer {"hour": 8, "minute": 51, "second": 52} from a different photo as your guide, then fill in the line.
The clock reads {"hour": 1, "minute": 51, "second": 35}
